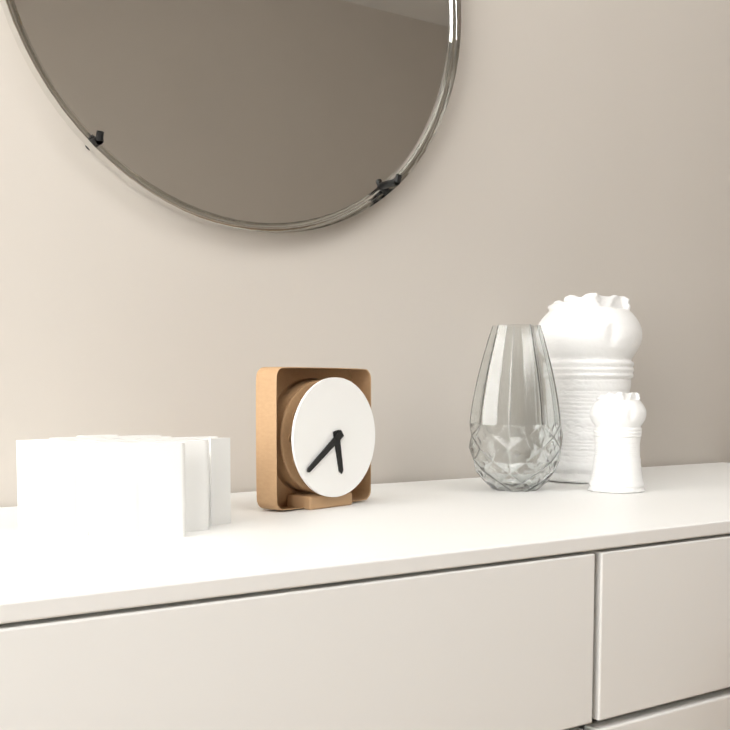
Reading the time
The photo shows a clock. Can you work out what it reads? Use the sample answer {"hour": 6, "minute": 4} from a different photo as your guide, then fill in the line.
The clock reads {"hour": 5, "minute": 39}
